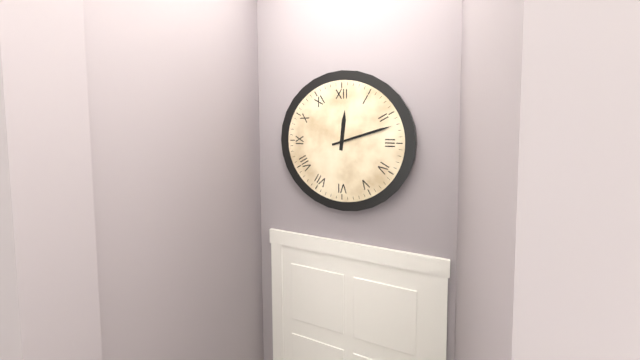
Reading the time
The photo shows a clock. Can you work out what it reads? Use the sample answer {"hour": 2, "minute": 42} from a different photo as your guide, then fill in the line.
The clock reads {"hour": 12, "minute": 12}
